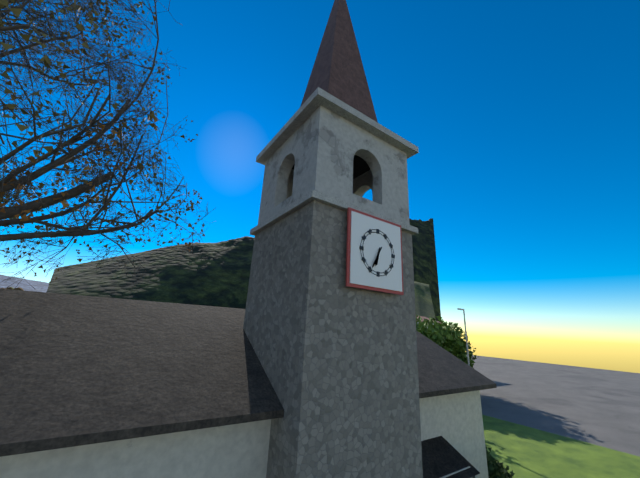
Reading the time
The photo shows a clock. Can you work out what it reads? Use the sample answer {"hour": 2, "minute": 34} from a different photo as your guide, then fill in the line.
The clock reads {"hour": 6, "minute": 35}
